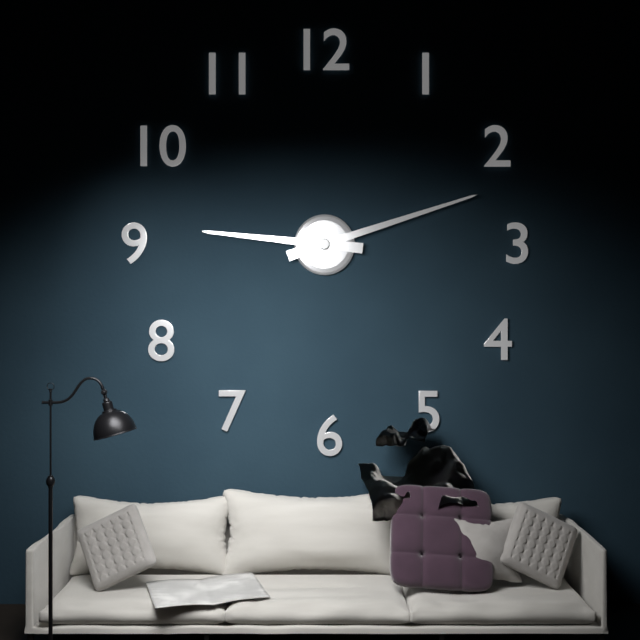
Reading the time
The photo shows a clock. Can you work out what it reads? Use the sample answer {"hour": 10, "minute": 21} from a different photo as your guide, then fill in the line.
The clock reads {"hour": 9, "minute": 12}
